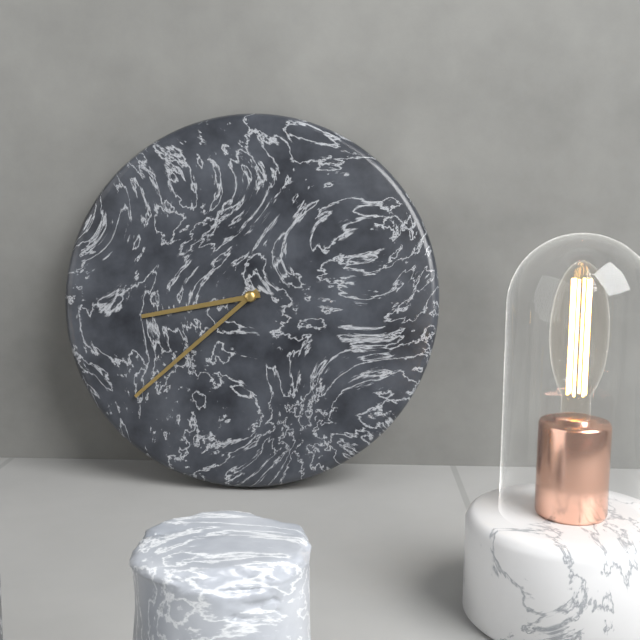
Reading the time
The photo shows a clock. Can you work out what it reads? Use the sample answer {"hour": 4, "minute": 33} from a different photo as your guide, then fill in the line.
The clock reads {"hour": 8, "minute": 38}
